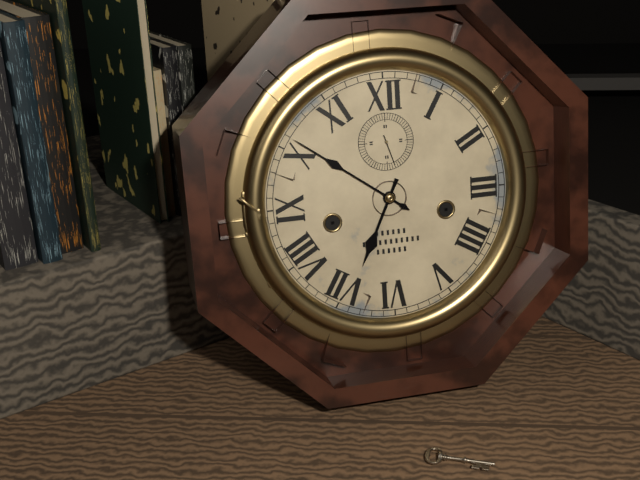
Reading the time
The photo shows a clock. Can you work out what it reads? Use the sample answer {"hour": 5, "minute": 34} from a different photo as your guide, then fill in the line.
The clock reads {"hour": 6, "minute": 51}
